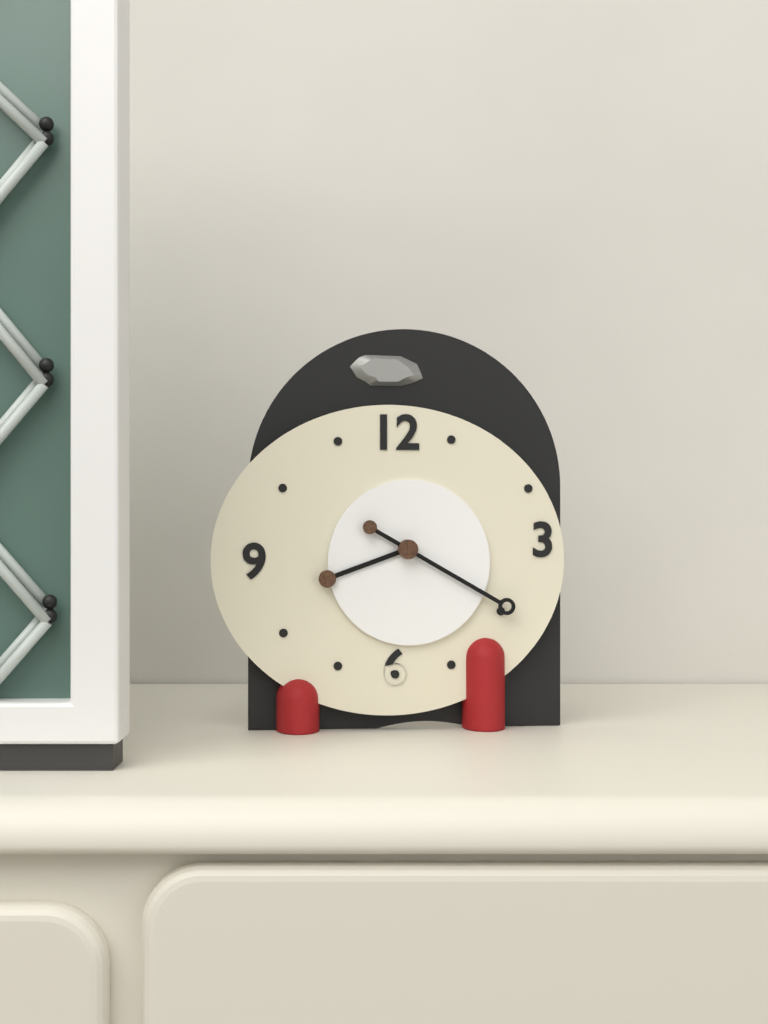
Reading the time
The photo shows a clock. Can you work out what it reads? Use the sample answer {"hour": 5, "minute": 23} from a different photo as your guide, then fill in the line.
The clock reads {"hour": 8, "minute": 20}
